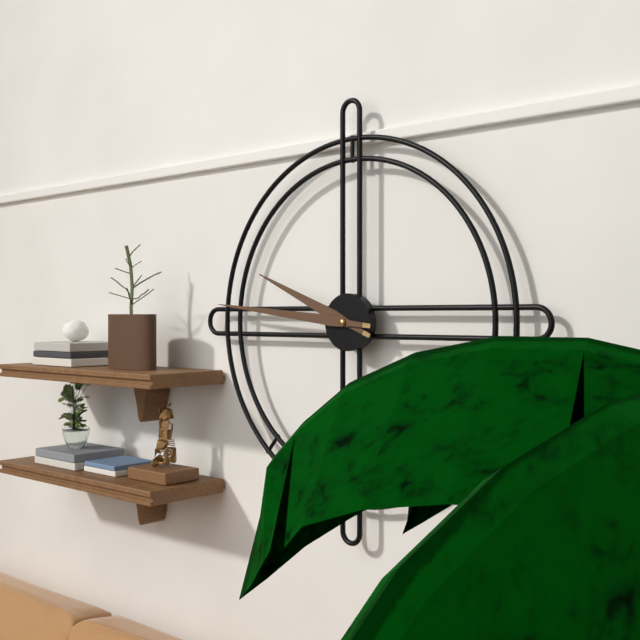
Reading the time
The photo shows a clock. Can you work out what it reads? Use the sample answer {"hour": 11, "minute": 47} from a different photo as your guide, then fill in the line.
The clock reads {"hour": 9, "minute": 46}
